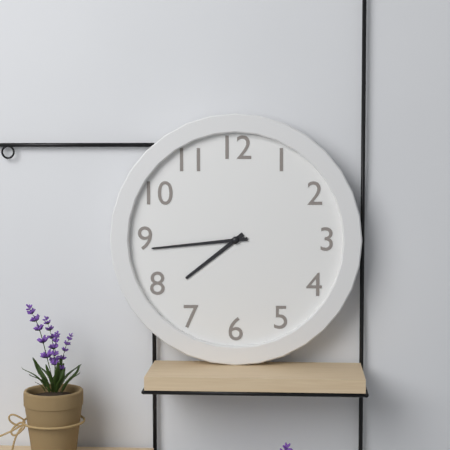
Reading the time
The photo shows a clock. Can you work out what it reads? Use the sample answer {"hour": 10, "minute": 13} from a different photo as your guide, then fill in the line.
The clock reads {"hour": 7, "minute": 44}
